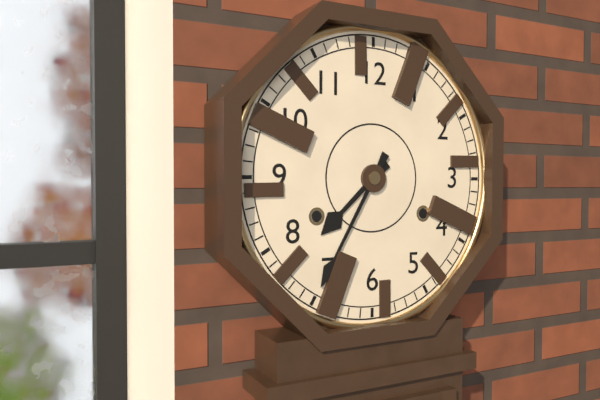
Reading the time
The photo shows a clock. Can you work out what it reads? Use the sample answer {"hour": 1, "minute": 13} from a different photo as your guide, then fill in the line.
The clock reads {"hour": 7, "minute": 35}
